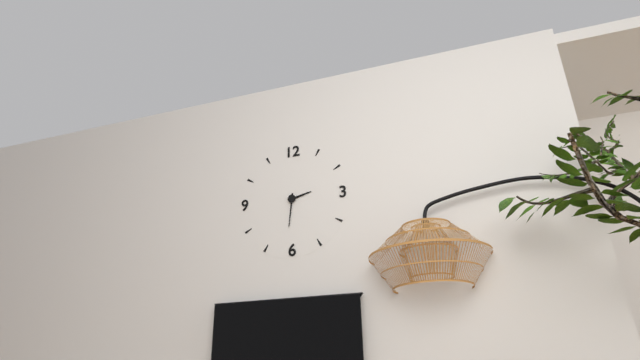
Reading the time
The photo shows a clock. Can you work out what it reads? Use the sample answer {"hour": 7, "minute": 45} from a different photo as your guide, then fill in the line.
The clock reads {"hour": 2, "minute": 31}
